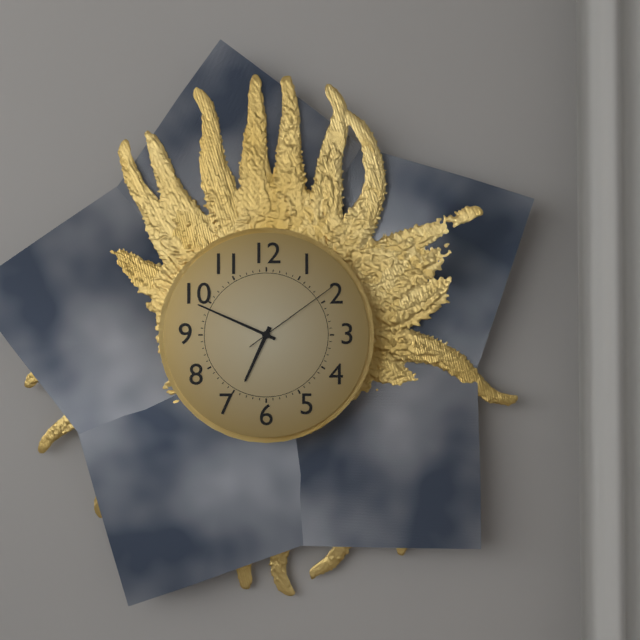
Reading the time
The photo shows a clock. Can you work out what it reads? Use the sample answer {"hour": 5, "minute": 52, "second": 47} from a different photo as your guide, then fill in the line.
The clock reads {"hour": 6, "minute": 49, "second": 9}
